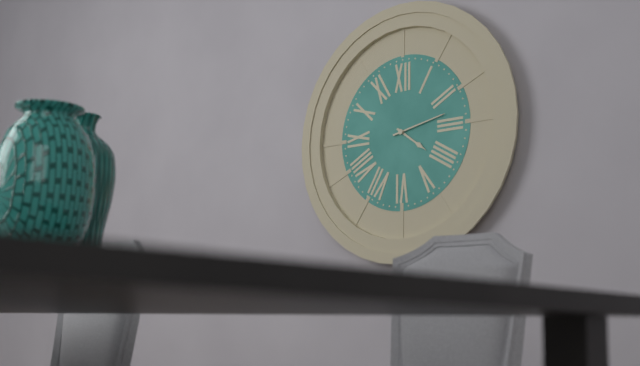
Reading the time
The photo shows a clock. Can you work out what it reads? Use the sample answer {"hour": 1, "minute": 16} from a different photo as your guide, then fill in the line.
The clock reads {"hour": 4, "minute": 13}
